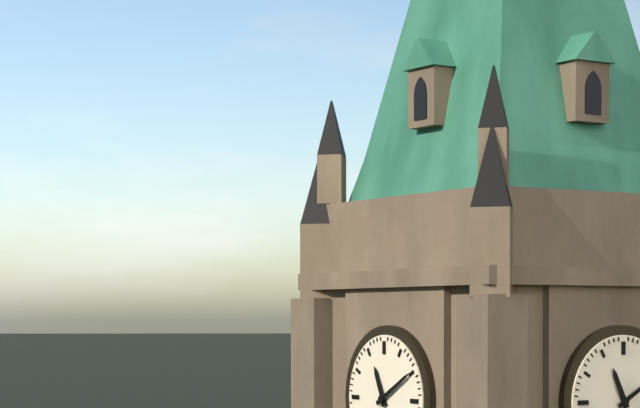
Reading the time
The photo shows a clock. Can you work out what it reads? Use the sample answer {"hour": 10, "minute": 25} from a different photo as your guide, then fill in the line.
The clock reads {"hour": 11, "minute": 10}
